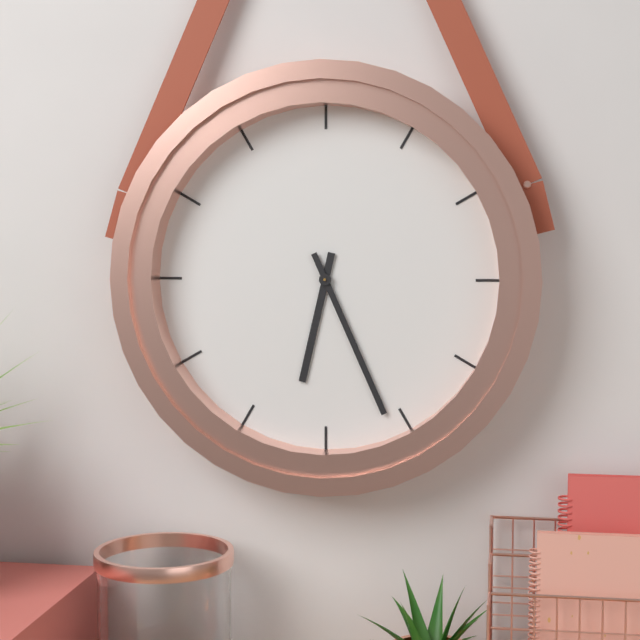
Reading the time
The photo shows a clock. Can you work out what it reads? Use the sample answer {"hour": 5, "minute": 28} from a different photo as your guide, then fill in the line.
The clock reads {"hour": 6, "minute": 26}
